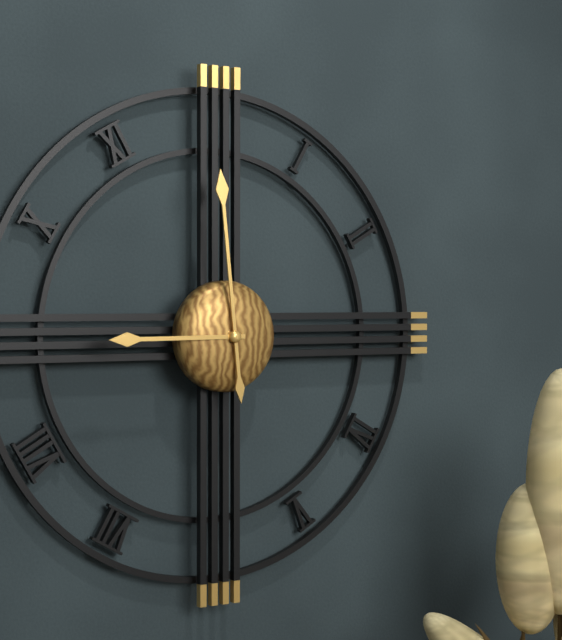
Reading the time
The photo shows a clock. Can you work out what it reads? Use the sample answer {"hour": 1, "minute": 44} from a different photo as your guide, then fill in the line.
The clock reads {"hour": 8, "minute": 59}
